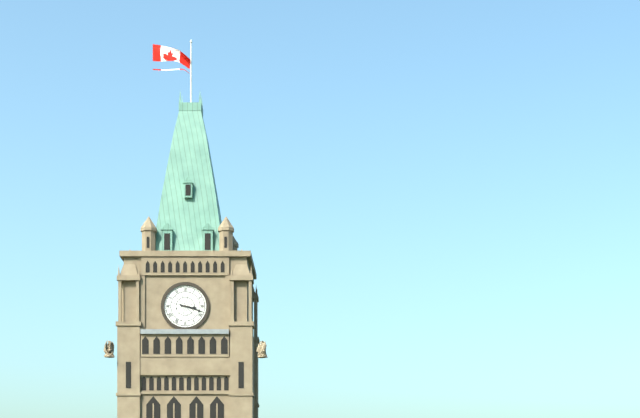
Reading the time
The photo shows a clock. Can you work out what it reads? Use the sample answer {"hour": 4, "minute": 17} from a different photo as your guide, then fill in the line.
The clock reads {"hour": 3, "minute": 18}
